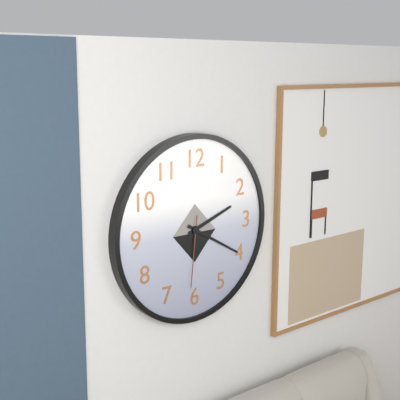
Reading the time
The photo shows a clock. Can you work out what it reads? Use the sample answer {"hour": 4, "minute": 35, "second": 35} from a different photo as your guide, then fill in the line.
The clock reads {"hour": 2, "minute": 20, "second": 31}
